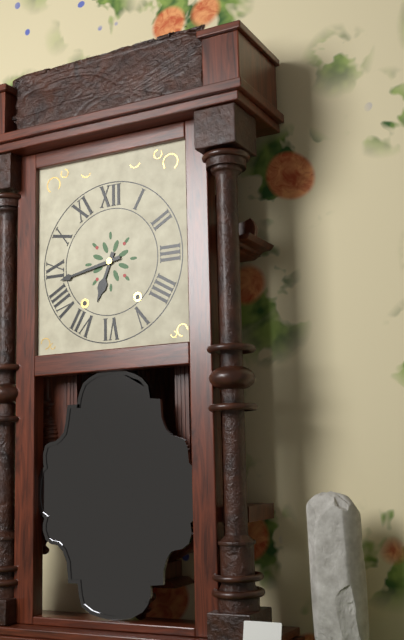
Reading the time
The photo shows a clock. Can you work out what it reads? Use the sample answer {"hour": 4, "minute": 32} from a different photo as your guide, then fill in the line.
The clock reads {"hour": 6, "minute": 43}
